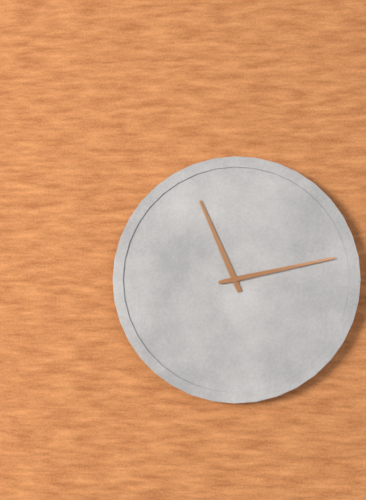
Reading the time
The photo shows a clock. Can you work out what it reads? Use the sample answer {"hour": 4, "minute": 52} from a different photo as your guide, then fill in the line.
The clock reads {"hour": 11, "minute": 13}
